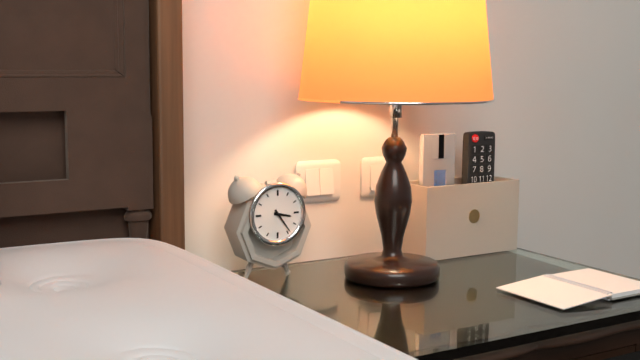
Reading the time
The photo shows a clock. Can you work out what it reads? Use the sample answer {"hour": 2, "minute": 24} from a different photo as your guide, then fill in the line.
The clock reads {"hour": 3, "minute": 24}
